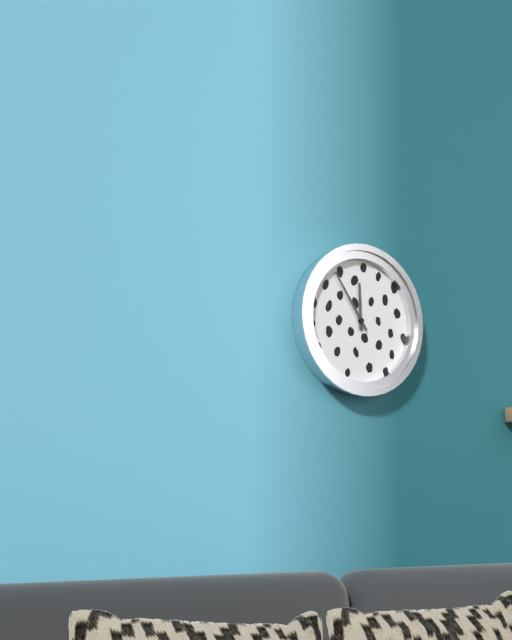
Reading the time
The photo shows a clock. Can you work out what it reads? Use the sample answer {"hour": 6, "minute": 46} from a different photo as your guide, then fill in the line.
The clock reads {"hour": 11, "minute": 54}
